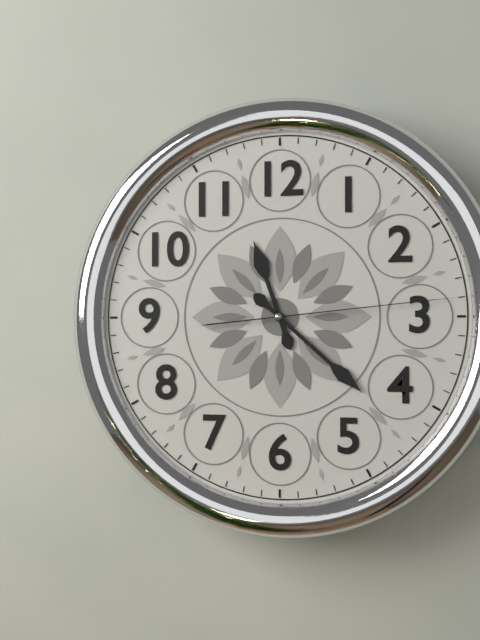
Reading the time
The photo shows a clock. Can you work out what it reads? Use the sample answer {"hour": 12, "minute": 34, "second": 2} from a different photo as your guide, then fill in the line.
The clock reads {"hour": 11, "minute": 22, "second": 14}
